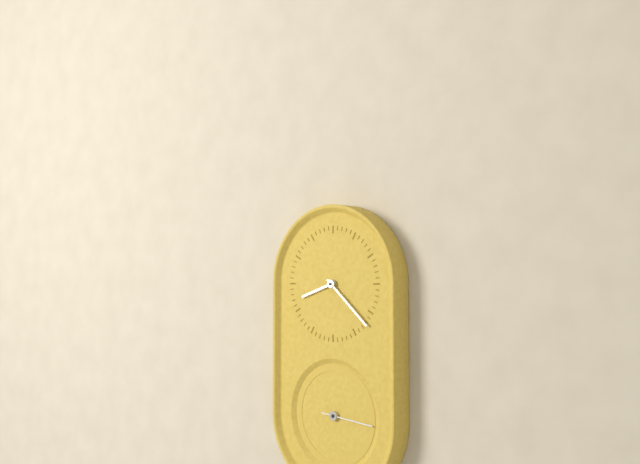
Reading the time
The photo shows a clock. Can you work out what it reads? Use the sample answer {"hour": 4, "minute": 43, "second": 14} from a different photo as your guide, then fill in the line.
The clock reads {"hour": 8, "minute": 22, "second": 16}
